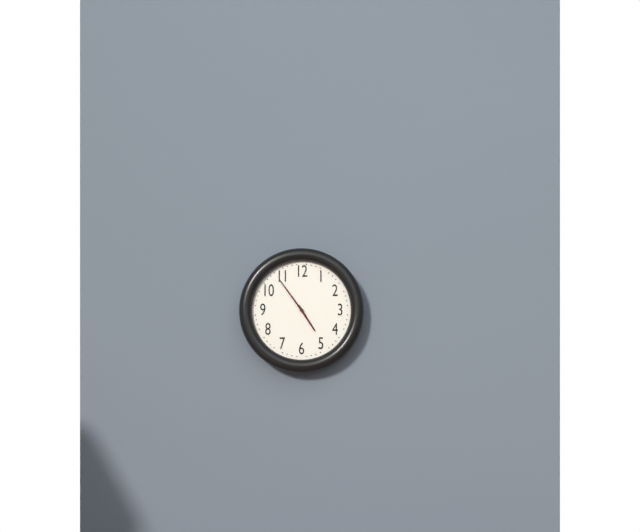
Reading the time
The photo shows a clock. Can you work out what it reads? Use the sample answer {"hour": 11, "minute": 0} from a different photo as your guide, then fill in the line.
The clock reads {"hour": 4, "minute": 54}
